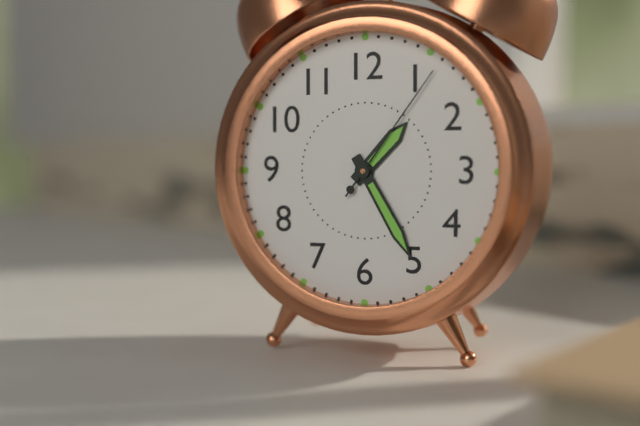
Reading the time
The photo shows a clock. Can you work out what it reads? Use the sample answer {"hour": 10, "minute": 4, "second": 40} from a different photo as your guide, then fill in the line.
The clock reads {"hour": 1, "minute": 25, "second": 6}
